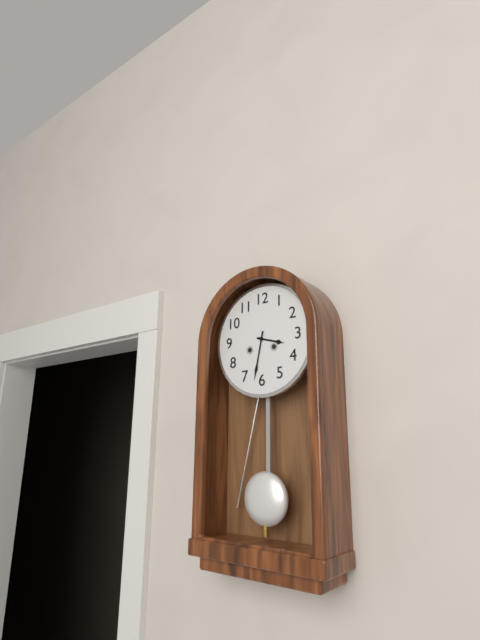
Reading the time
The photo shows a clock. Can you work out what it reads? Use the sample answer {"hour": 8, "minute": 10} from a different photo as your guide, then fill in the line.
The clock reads {"hour": 3, "minute": 32}
